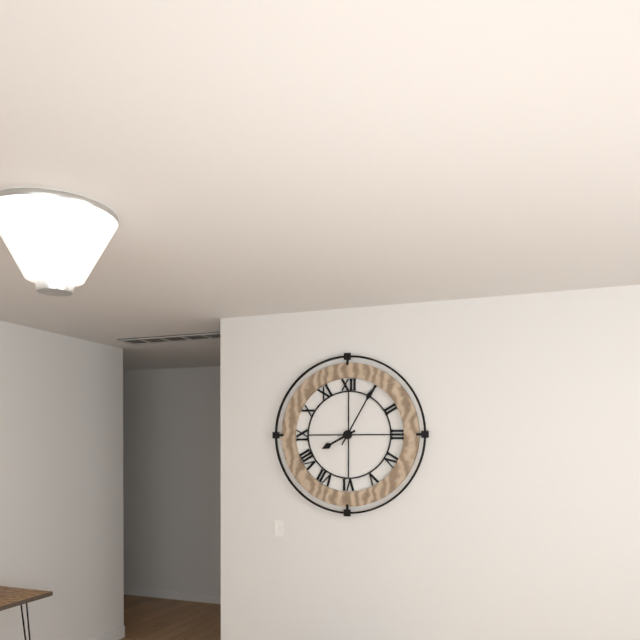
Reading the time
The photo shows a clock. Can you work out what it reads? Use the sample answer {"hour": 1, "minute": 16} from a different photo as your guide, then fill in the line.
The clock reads {"hour": 8, "minute": 5}
